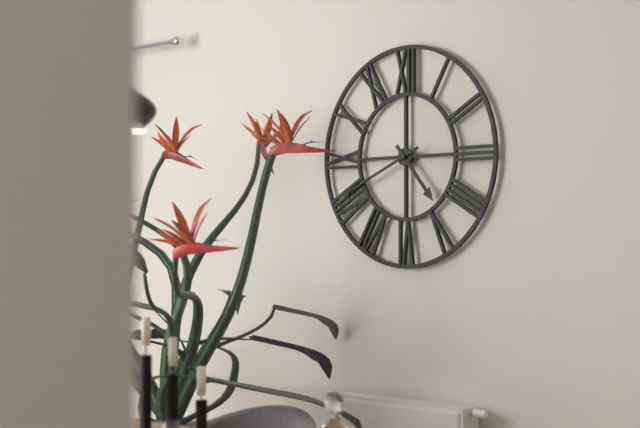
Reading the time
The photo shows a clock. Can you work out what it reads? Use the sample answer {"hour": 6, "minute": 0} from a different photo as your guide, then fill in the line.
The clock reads {"hour": 4, "minute": 41}
